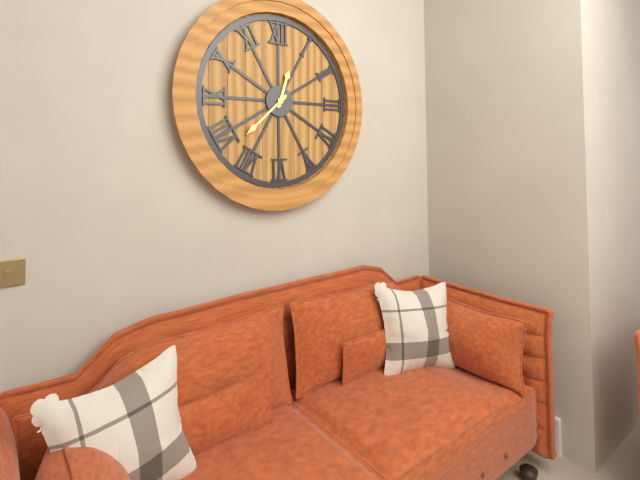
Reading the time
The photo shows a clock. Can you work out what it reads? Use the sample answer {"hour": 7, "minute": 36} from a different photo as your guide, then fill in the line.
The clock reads {"hour": 12, "minute": 38}
